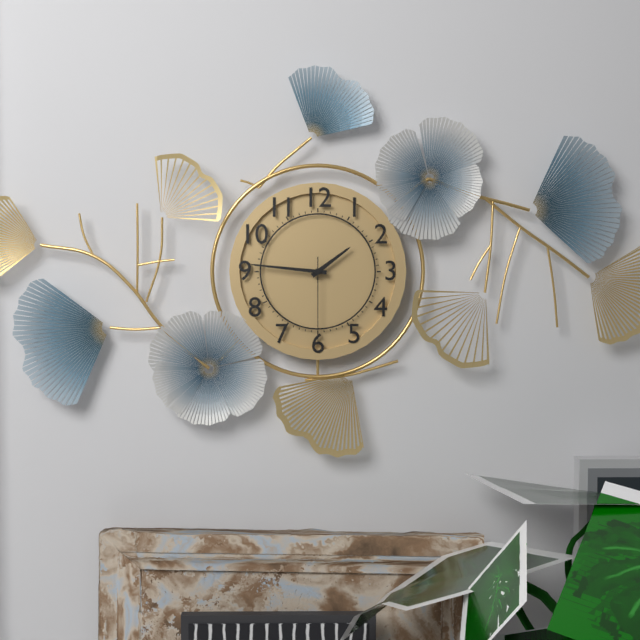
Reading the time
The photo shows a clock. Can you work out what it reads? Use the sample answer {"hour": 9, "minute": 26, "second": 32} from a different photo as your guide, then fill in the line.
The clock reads {"hour": 1, "minute": 46, "second": 30}
